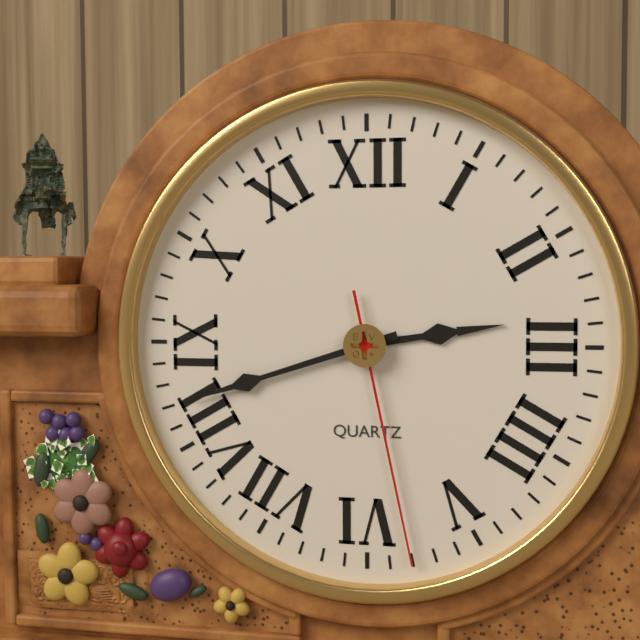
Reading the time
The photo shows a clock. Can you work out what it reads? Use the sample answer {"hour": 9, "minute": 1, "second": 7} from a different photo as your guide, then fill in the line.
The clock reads {"hour": 2, "minute": 42, "second": 28}
